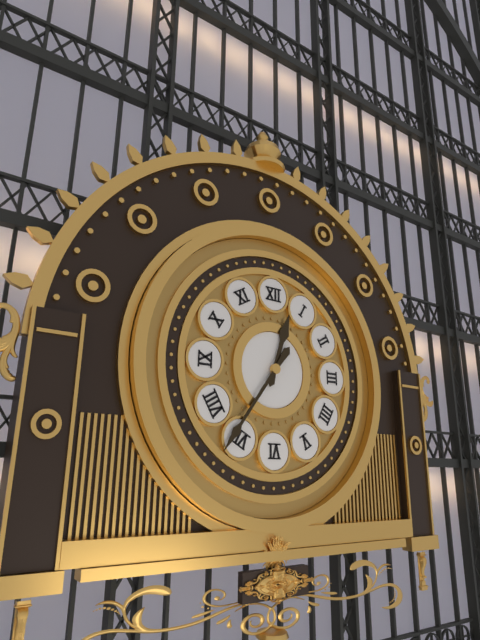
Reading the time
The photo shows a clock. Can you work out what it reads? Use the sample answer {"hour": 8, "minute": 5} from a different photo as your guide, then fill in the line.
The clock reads {"hour": 12, "minute": 36}
